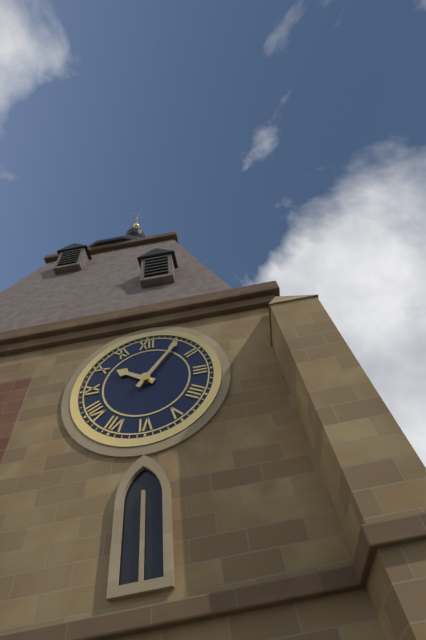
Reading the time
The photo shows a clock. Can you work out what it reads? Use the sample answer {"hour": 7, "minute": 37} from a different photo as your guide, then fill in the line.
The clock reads {"hour": 10, "minute": 6}
